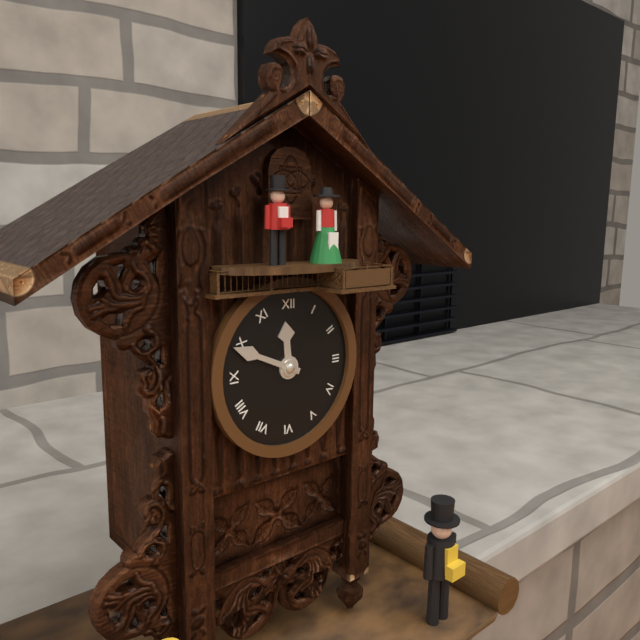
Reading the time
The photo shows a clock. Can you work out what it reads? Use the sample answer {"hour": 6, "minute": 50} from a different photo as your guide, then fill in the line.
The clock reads {"hour": 11, "minute": 49}
